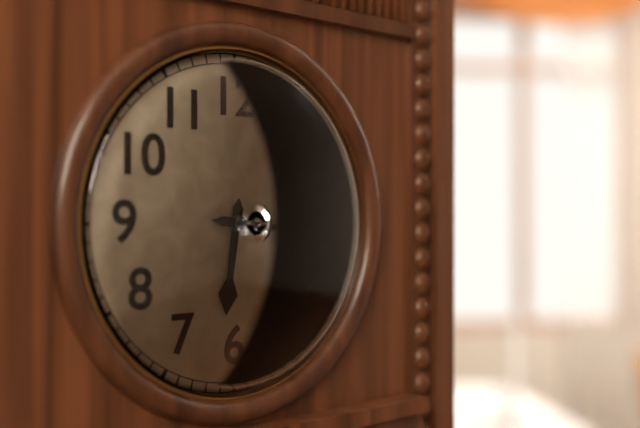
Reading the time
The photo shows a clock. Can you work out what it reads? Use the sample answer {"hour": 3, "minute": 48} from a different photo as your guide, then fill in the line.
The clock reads {"hour": 6, "minute": 16}
